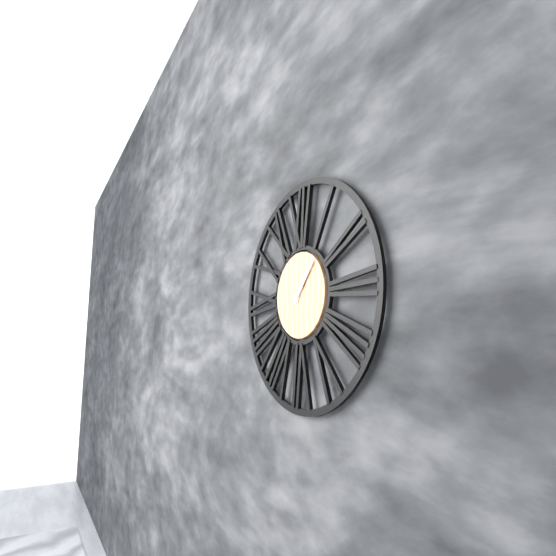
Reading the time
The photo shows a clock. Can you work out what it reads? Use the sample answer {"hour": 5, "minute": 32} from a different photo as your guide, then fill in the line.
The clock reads {"hour": 1, "minute": 7}
